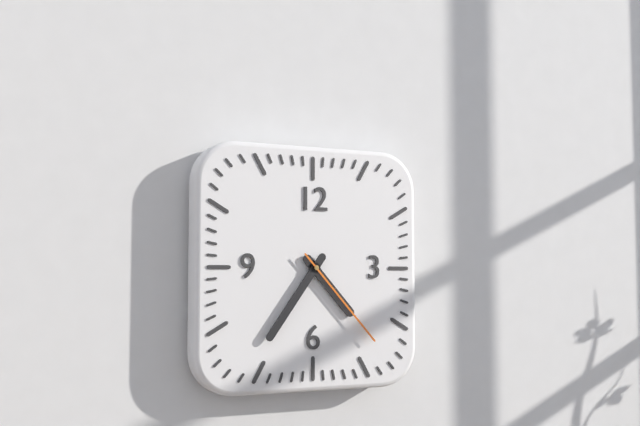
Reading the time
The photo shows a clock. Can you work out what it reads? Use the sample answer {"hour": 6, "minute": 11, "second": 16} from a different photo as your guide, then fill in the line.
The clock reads {"hour": 4, "minute": 36, "second": 23}
